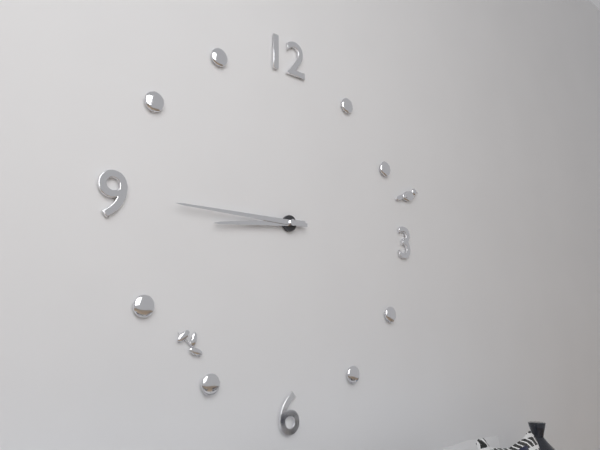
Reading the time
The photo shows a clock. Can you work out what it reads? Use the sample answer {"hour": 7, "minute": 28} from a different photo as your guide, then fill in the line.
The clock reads {"hour": 8, "minute": 45}
